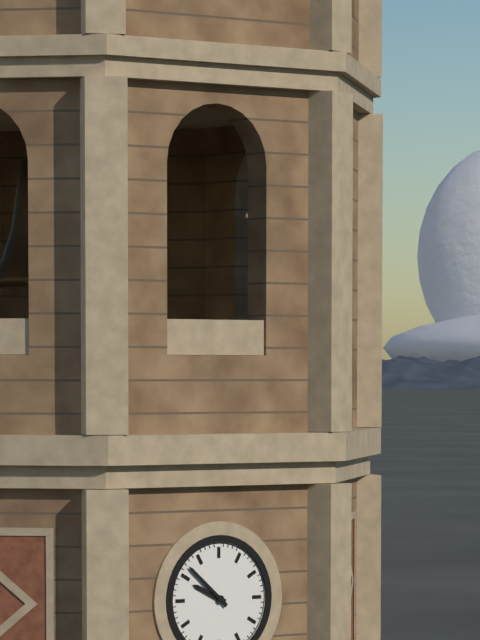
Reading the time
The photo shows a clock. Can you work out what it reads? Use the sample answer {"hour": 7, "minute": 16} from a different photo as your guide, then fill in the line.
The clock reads {"hour": 9, "minute": 52}
